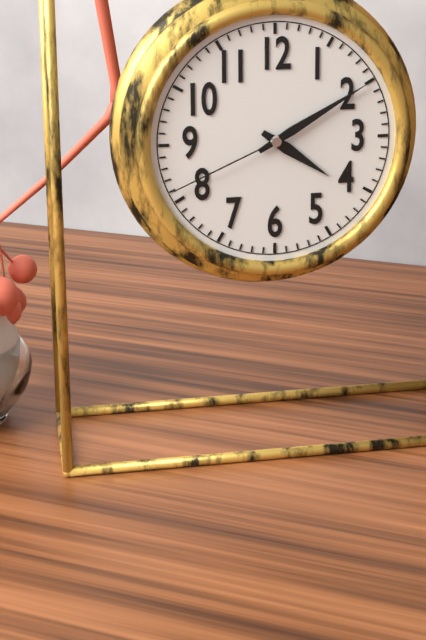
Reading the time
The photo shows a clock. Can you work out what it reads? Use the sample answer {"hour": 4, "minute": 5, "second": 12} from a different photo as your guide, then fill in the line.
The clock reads {"hour": 4, "minute": 10, "second": 41}
